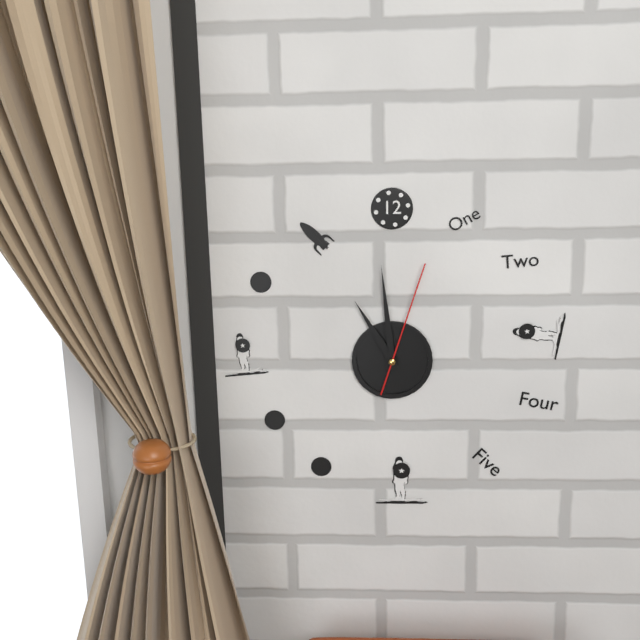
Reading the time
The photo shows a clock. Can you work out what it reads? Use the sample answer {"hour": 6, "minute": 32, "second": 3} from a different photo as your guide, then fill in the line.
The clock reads {"hour": 10, "minute": 59, "second": 3}
